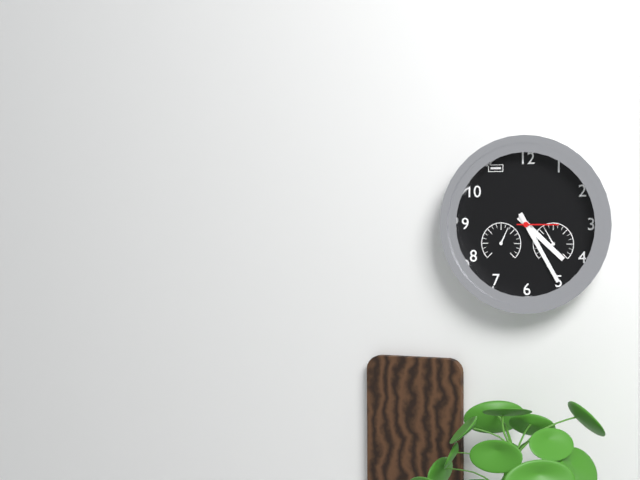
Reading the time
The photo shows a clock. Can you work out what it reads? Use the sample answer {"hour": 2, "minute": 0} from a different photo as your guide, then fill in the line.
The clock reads {"hour": 4, "minute": 25}
